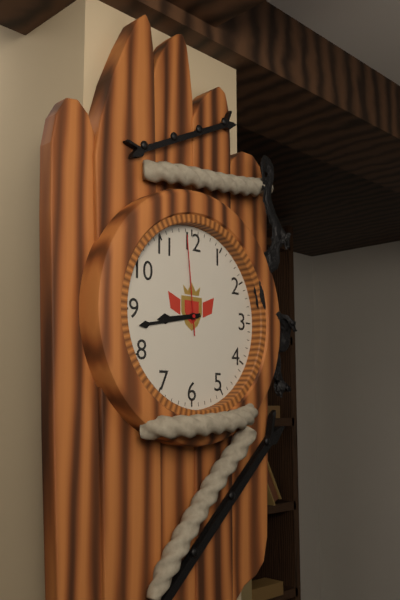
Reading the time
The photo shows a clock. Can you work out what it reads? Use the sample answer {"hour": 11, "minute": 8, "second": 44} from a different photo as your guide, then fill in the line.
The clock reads {"hour": 8, "minute": 43, "second": 59}
